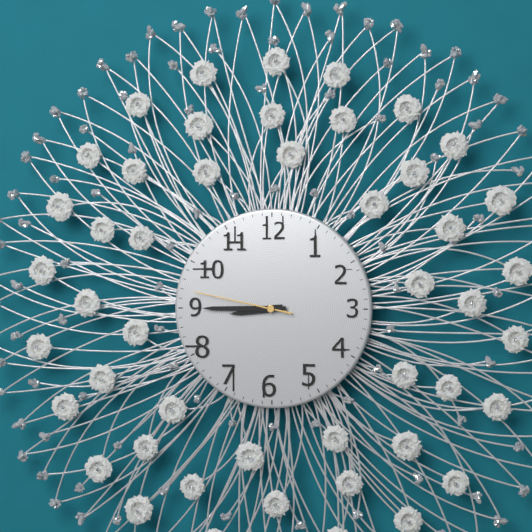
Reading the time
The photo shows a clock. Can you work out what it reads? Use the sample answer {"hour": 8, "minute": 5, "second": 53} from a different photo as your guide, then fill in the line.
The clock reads {"hour": 8, "minute": 45, "second": 47}
